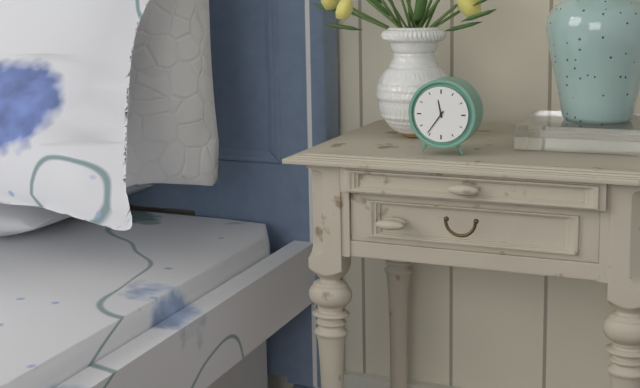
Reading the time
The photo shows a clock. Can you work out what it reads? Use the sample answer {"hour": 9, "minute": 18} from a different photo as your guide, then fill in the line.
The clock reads {"hour": 11, "minute": 36}
